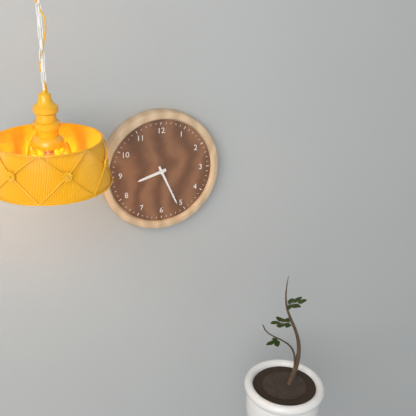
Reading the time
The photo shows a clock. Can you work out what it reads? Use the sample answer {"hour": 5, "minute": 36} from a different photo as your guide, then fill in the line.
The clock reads {"hour": 8, "minute": 26}
